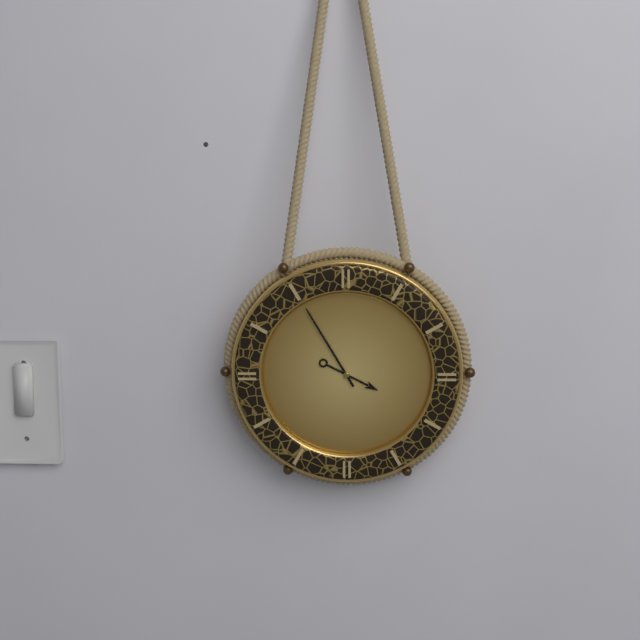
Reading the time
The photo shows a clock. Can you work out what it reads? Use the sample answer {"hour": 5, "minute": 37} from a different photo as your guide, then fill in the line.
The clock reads {"hour": 3, "minute": 55}
